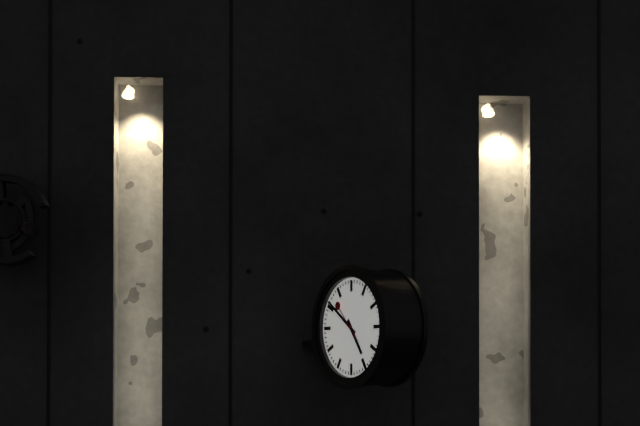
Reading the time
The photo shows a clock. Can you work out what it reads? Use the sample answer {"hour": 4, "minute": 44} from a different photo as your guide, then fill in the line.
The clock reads {"hour": 4, "minute": 51}
